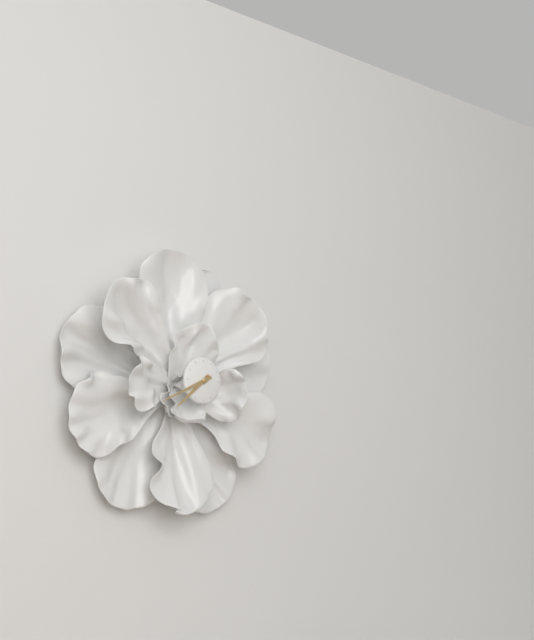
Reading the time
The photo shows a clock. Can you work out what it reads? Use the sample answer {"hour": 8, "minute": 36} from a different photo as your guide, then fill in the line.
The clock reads {"hour": 7, "minute": 41}
